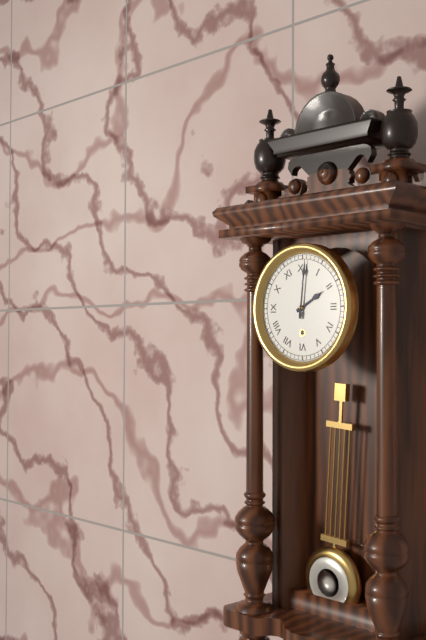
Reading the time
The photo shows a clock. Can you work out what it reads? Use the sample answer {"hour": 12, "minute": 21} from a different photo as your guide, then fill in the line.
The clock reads {"hour": 2, "minute": 1}
